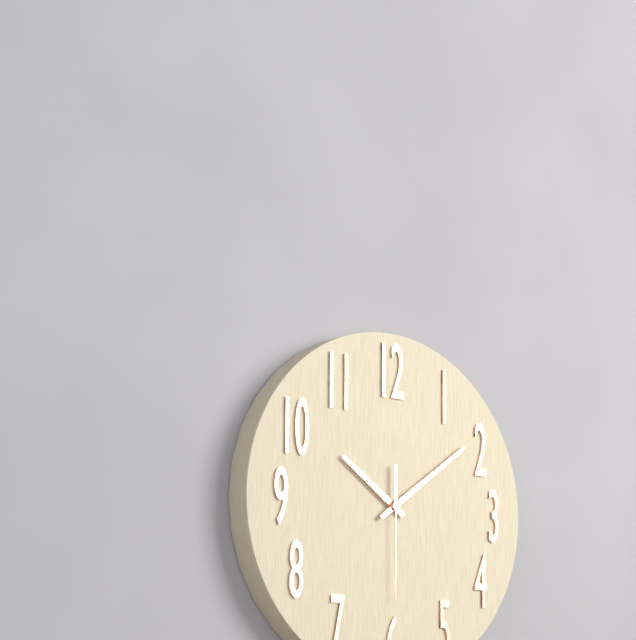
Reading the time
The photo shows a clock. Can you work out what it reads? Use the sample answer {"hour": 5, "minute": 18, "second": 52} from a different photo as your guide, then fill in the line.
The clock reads {"hour": 10, "minute": 9, "second": 30}
